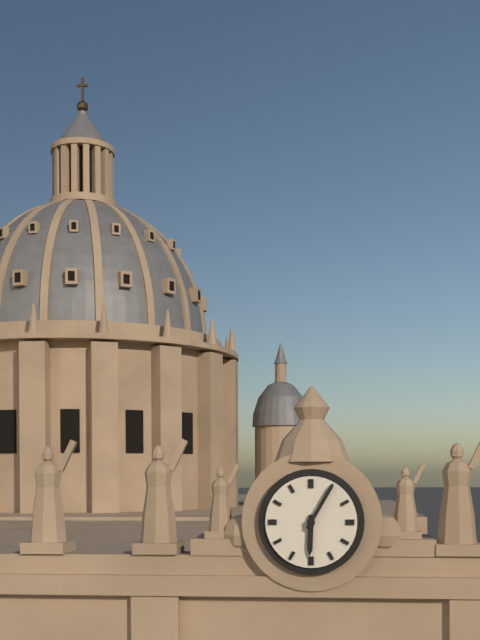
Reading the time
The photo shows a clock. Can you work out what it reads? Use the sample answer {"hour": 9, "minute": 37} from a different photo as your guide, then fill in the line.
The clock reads {"hour": 6, "minute": 5}
